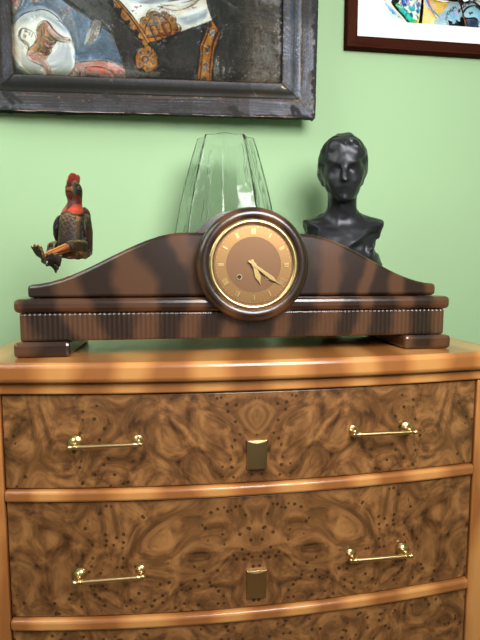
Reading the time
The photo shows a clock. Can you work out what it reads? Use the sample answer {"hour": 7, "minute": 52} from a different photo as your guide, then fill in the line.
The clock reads {"hour": 5, "minute": 21}
